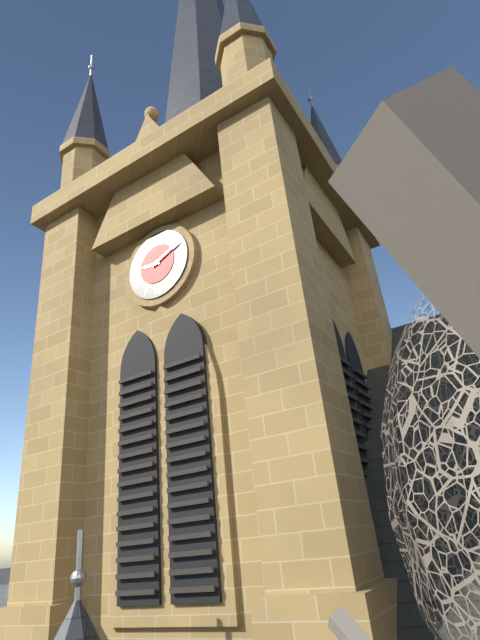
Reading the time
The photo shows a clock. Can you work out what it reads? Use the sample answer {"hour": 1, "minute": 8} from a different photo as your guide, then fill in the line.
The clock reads {"hour": 9, "minute": 11}
